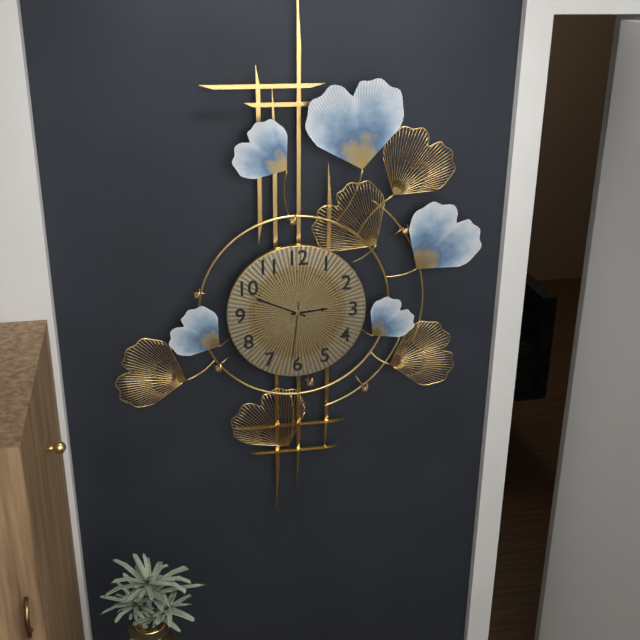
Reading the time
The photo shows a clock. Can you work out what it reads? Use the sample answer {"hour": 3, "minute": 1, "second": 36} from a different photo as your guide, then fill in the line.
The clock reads {"hour": 2, "minute": 49, "second": 31}
